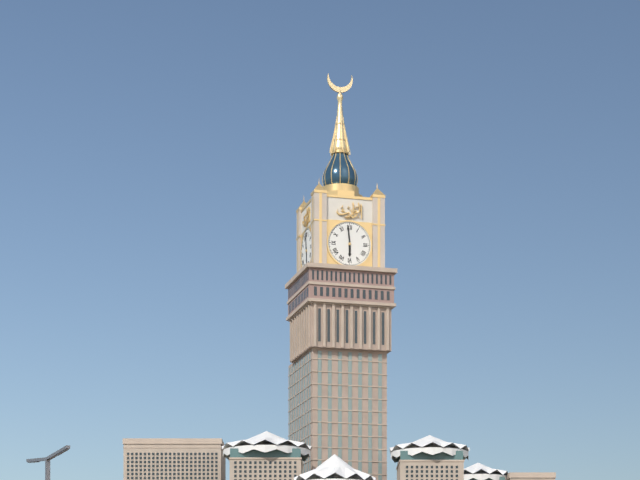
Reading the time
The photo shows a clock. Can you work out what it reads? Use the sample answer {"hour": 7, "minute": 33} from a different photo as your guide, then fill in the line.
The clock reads {"hour": 5, "minute": 59}
